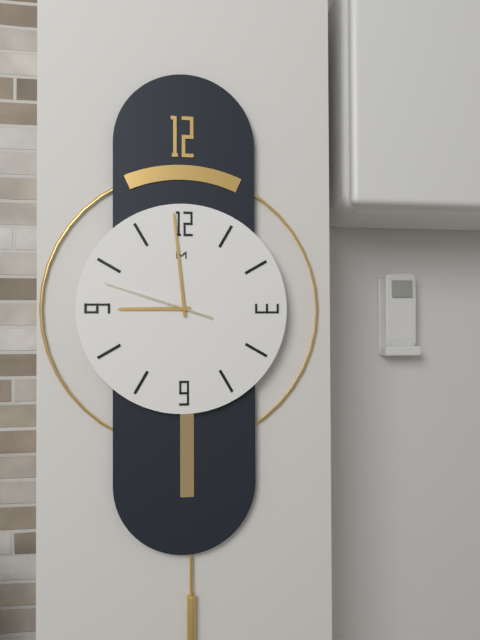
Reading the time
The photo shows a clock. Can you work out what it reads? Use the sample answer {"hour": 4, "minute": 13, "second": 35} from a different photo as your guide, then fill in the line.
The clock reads {"hour": 8, "minute": 59, "second": 48}
